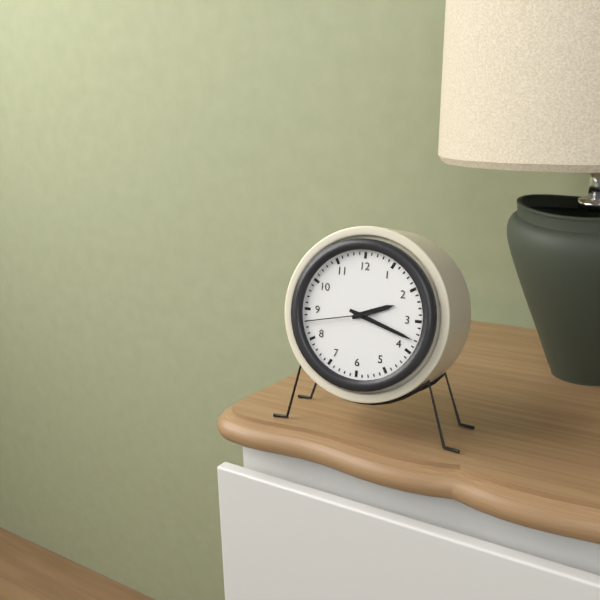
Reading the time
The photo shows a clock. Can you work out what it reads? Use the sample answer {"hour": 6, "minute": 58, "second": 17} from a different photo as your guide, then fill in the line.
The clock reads {"hour": 2, "minute": 18, "second": 43}
